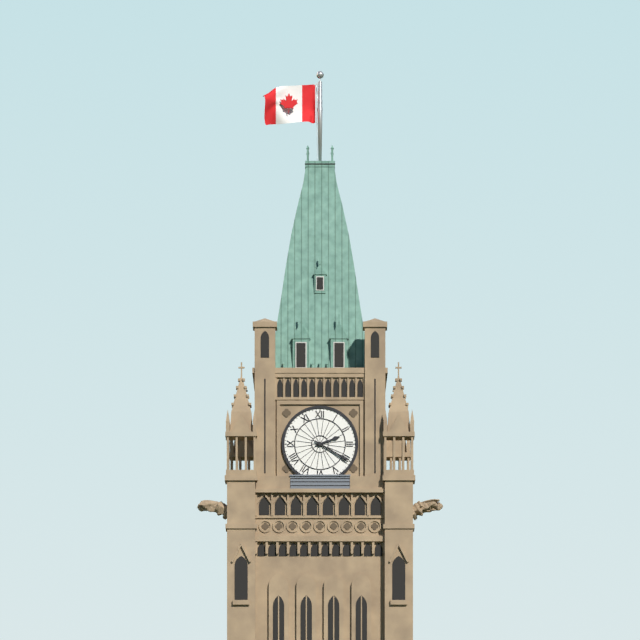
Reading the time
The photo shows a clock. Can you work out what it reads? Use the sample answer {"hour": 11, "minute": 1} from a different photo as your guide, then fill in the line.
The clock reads {"hour": 2, "minute": 20}
